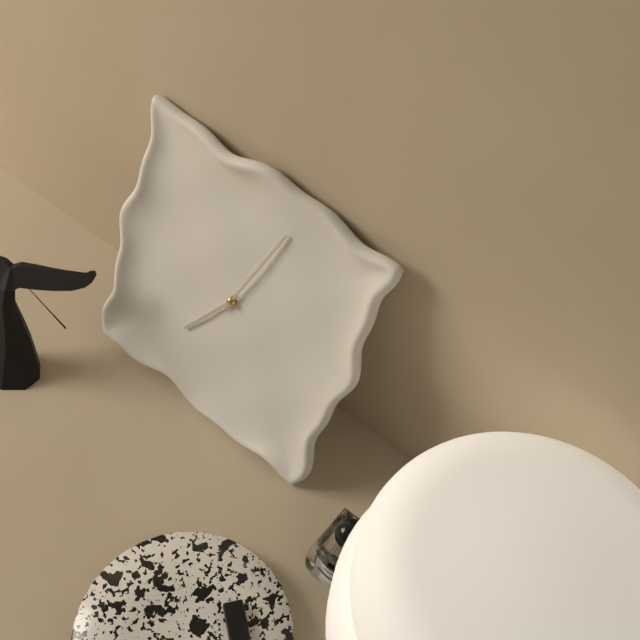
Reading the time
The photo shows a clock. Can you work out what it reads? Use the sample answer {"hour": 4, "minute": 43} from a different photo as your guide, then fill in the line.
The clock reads {"hour": 7, "minute": 3}
